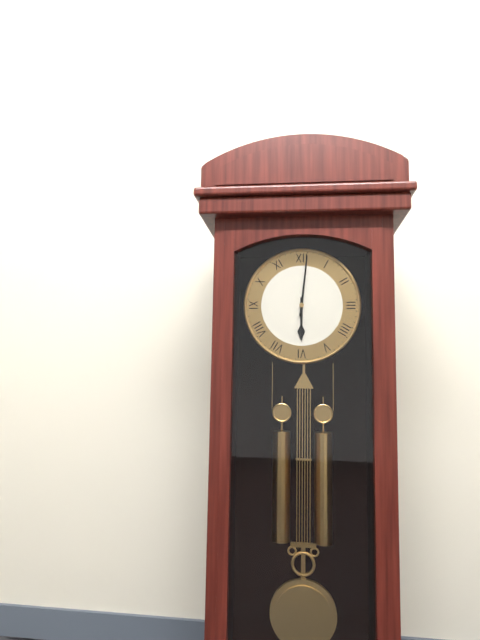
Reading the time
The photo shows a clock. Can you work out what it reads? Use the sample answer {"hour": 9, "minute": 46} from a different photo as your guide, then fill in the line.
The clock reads {"hour": 6, "minute": 1}
